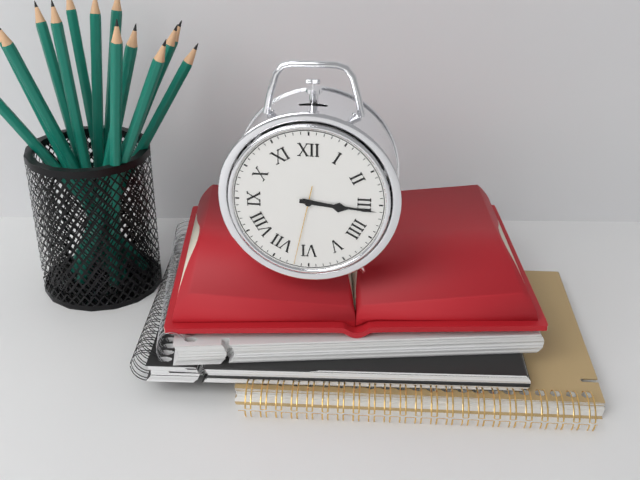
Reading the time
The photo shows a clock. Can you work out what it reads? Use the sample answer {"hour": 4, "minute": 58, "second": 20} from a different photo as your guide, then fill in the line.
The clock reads {"hour": 3, "minute": 16, "second": 32}
